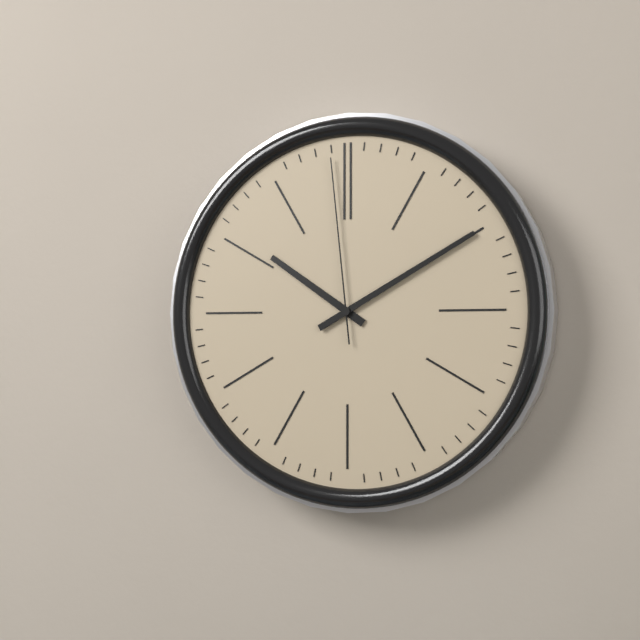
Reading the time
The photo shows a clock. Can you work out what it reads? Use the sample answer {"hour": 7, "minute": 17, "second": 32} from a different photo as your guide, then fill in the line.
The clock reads {"hour": 10, "minute": 10, "second": 59}
